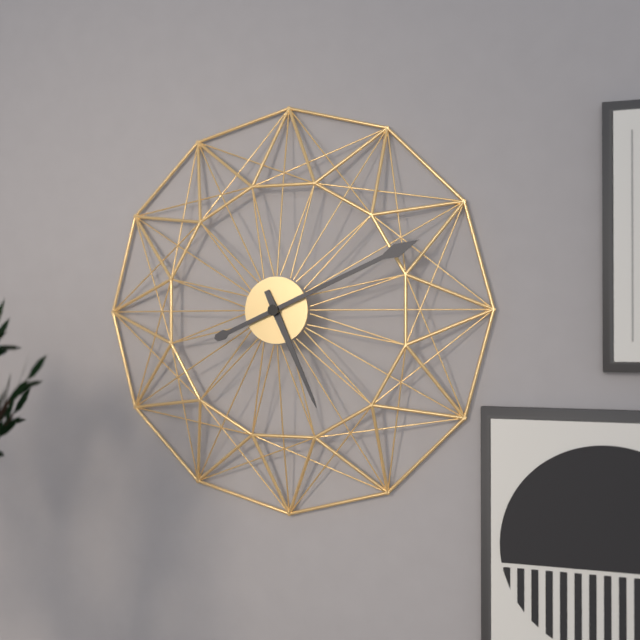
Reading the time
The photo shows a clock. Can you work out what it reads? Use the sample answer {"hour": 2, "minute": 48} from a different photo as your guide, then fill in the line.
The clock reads {"hour": 5, "minute": 11}
